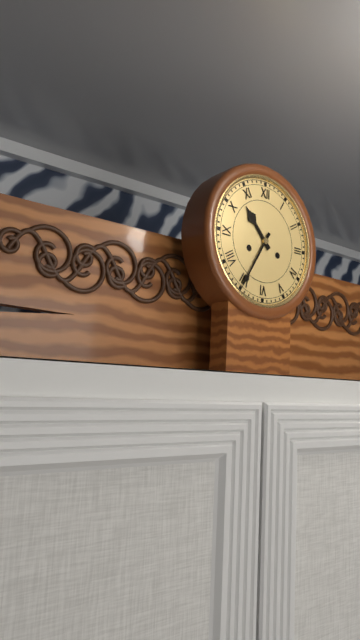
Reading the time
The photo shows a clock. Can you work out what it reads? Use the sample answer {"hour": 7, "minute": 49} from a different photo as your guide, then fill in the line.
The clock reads {"hour": 10, "minute": 35}
